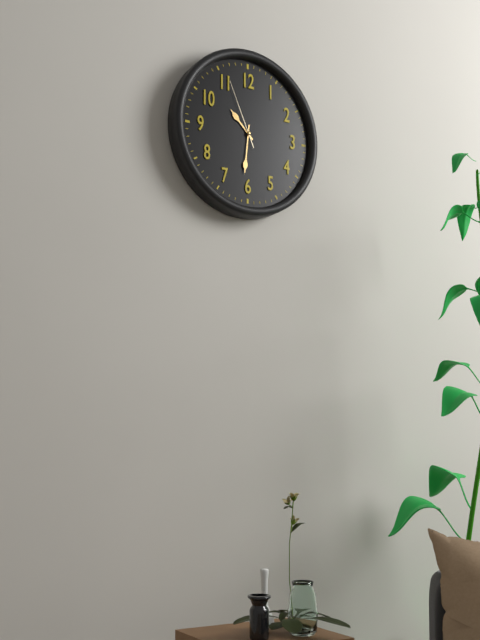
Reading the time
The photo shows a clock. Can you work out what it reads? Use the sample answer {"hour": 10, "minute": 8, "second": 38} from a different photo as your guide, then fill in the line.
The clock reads {"hour": 10, "minute": 31, "second": 56}
